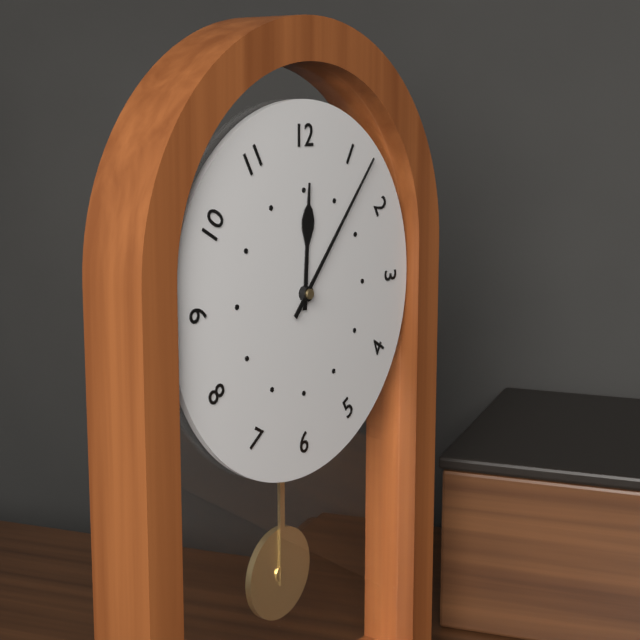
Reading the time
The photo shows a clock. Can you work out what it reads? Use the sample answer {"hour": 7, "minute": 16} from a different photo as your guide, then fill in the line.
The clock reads {"hour": 12, "minute": 7}
